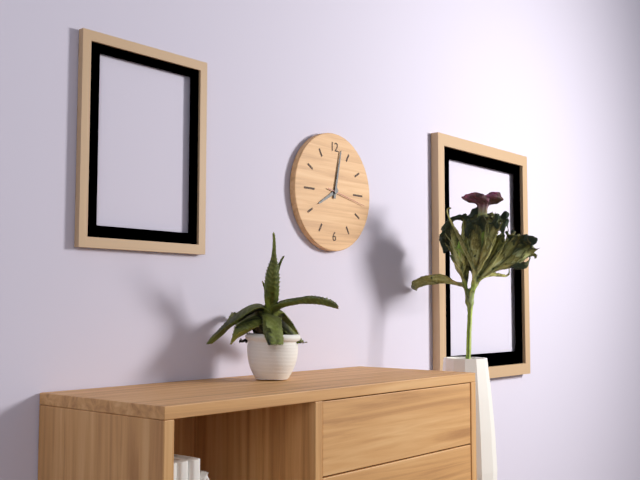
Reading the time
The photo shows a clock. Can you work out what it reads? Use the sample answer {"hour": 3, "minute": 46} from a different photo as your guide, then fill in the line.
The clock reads {"hour": 8, "minute": 2}
